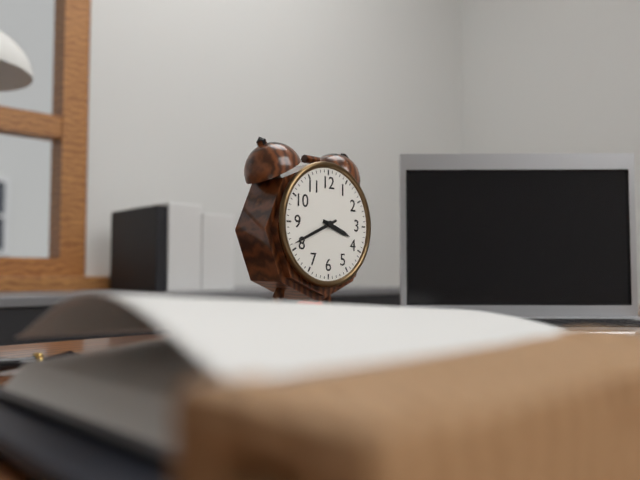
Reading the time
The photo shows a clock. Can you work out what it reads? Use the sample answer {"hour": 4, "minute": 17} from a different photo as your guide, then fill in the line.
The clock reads {"hour": 3, "minute": 41}
